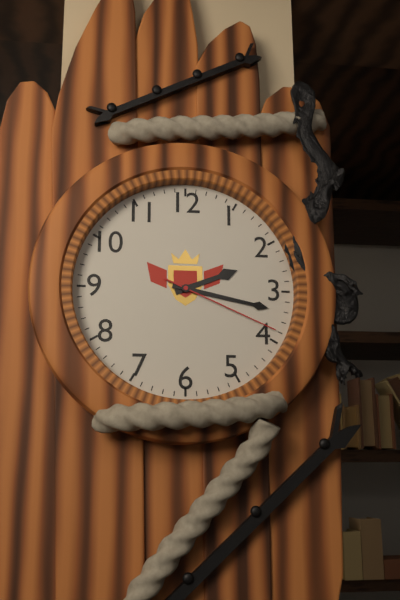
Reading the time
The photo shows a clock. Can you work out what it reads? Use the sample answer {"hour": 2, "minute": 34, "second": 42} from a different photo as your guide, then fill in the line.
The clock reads {"hour": 2, "minute": 17, "second": 19}
